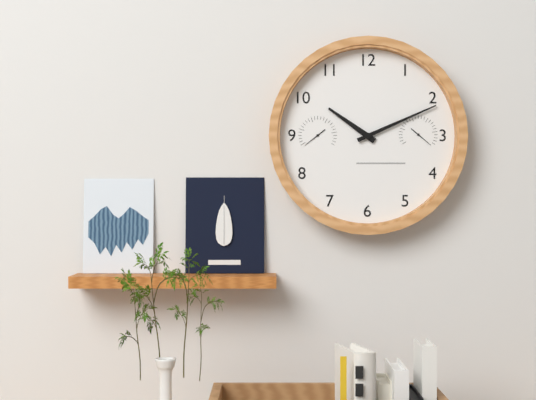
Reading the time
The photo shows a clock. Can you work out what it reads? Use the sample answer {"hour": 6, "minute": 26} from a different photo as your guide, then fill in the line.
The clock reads {"hour": 10, "minute": 11}
